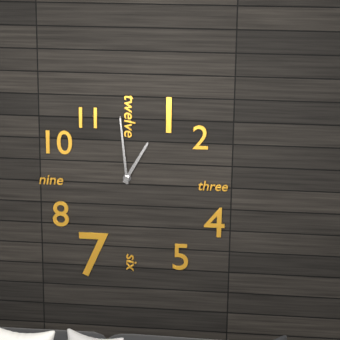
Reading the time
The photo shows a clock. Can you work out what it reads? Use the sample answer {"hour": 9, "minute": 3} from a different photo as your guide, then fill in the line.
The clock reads {"hour": 12, "minute": 59}
